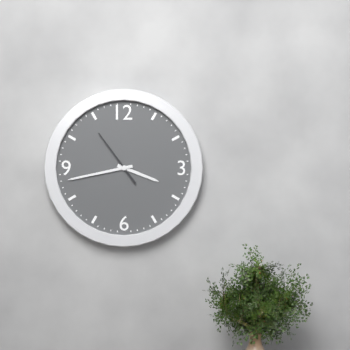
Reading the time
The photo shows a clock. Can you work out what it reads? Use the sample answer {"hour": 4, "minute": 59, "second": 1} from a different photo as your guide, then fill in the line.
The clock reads {"hour": 3, "minute": 43, "second": 54}
